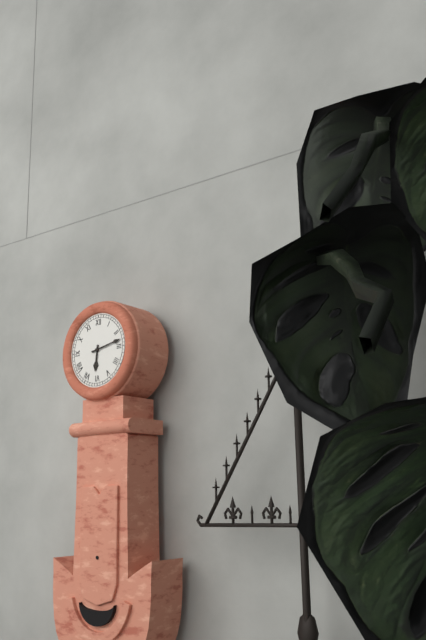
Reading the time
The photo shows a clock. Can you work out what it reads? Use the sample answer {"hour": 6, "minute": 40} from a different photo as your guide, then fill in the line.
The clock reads {"hour": 6, "minute": 13}
